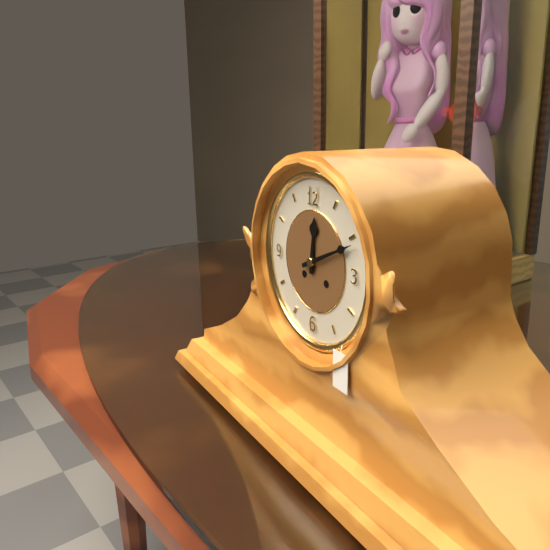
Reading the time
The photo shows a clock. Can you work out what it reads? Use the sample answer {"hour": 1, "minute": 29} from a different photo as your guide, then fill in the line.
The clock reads {"hour": 12, "minute": 11}
